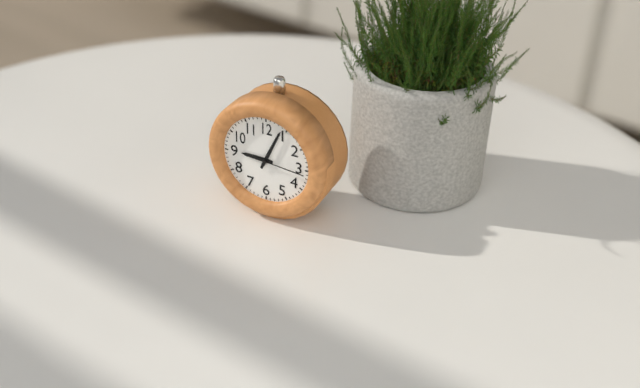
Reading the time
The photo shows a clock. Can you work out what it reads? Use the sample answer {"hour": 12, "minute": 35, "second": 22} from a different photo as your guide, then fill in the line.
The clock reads {"hour": 9, "minute": 4, "second": 16}
